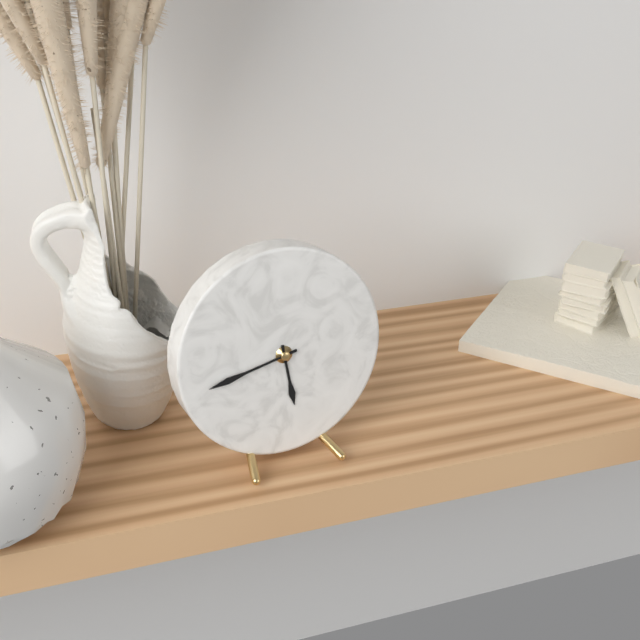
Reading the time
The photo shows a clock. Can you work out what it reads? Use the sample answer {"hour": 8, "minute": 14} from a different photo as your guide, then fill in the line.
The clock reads {"hour": 5, "minute": 43}
